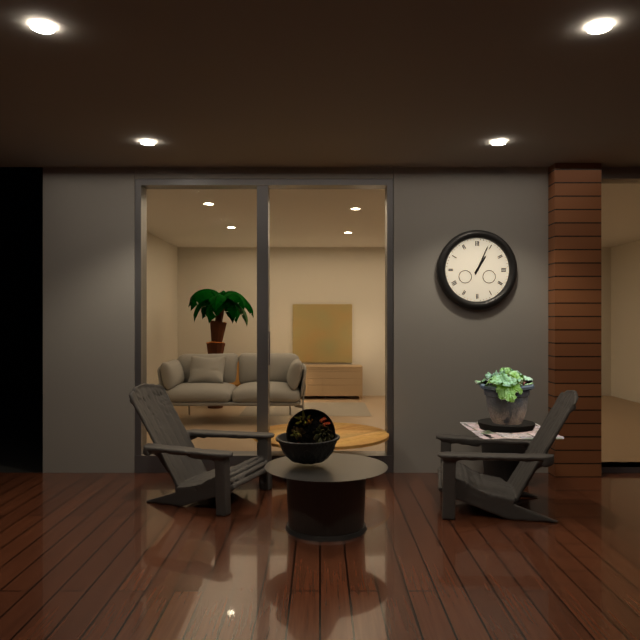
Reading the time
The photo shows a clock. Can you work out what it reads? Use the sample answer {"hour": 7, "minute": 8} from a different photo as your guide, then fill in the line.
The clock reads {"hour": 1, "minute": 4}
